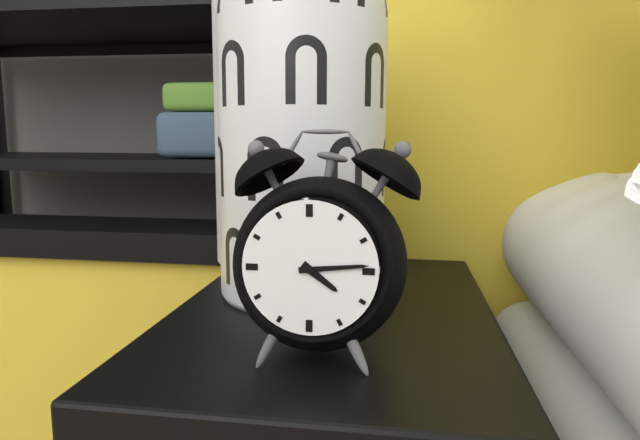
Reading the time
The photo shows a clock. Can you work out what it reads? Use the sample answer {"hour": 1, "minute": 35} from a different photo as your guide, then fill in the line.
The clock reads {"hour": 4, "minute": 14}
